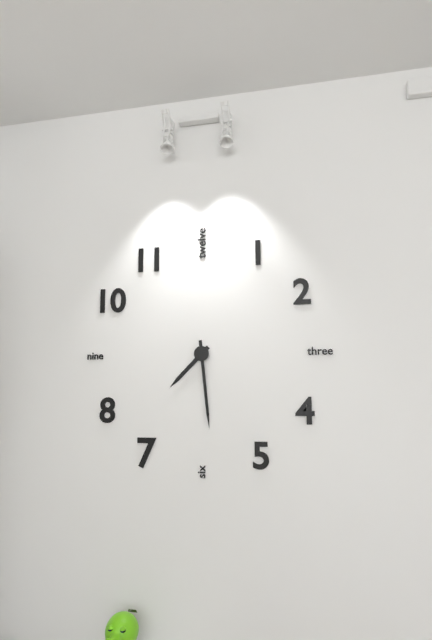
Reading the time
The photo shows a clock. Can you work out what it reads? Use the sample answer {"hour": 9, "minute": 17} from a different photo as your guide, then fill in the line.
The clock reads {"hour": 7, "minute": 29}
